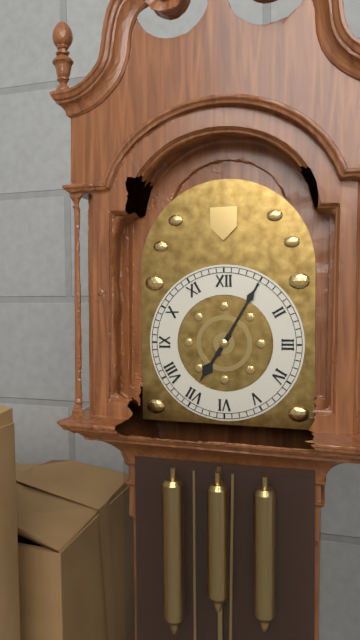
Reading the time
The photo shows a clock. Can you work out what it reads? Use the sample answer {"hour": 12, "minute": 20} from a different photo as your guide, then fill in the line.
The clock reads {"hour": 7, "minute": 5}
